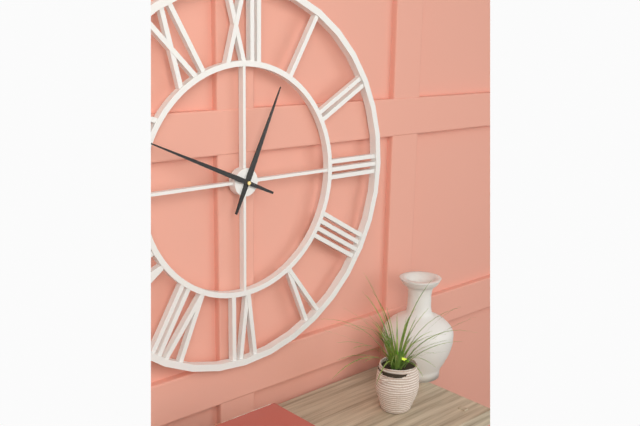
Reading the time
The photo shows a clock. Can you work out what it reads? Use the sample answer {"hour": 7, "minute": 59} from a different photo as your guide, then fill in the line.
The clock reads {"hour": 12, "minute": 49}
